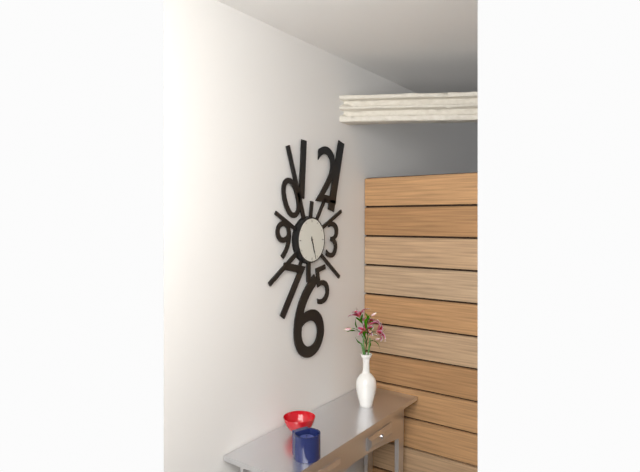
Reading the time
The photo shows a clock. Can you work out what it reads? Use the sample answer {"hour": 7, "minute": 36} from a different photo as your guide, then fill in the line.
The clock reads {"hour": 5, "minute": 27}
